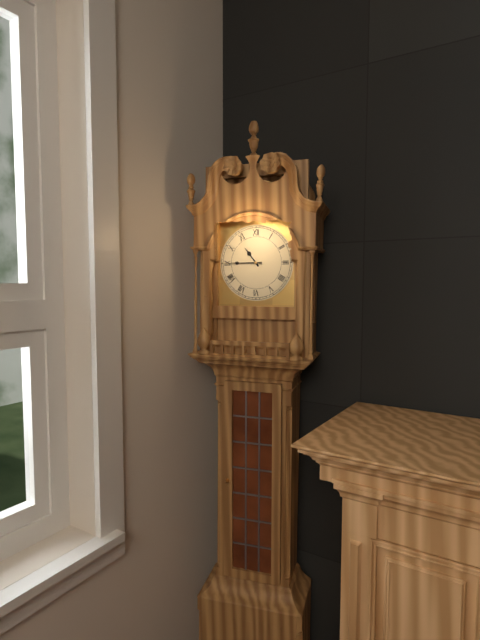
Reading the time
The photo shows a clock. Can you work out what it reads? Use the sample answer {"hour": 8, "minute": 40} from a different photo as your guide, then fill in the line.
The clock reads {"hour": 10, "minute": 45}
